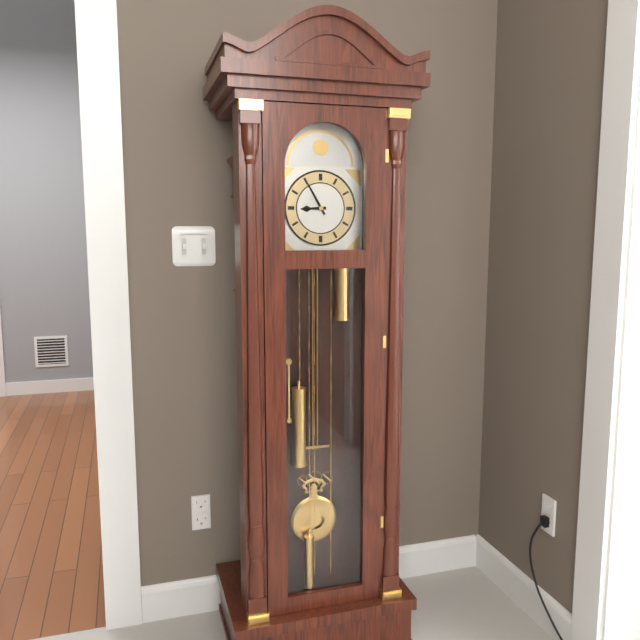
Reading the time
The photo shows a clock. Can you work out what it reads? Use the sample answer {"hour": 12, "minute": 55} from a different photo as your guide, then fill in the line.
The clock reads {"hour": 8, "minute": 55}
